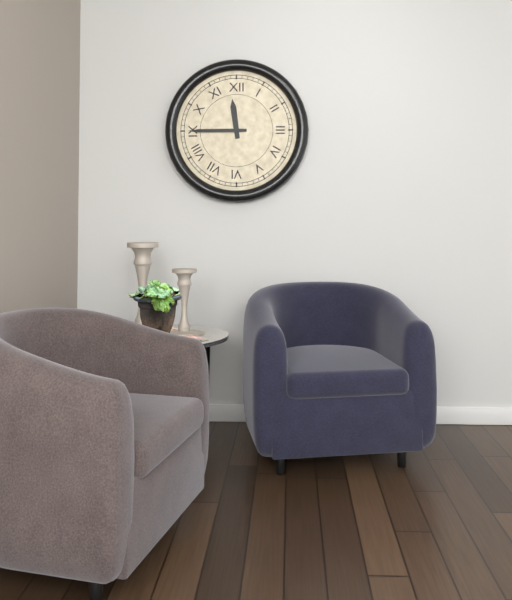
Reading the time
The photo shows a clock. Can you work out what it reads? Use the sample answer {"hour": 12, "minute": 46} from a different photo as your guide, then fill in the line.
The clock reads {"hour": 11, "minute": 45}
